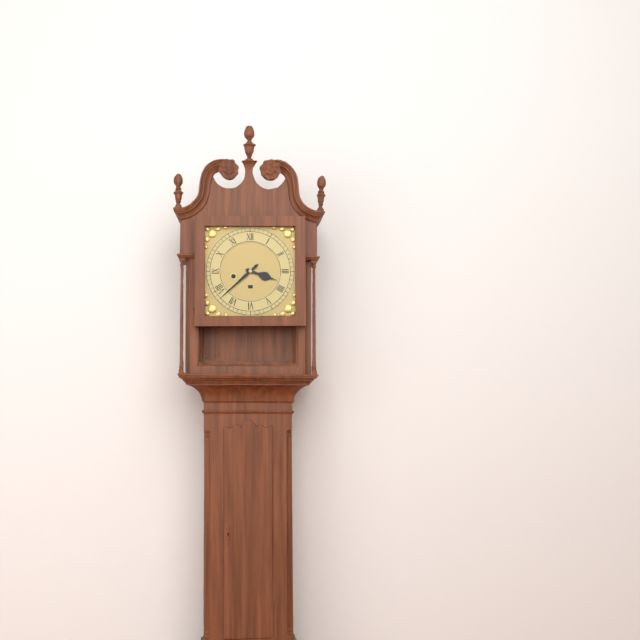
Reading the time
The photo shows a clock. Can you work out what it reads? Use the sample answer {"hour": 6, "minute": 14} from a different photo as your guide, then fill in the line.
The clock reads {"hour": 3, "minute": 38}
